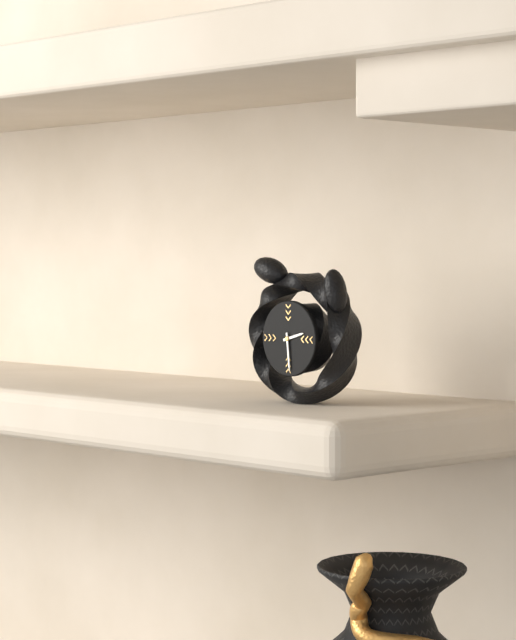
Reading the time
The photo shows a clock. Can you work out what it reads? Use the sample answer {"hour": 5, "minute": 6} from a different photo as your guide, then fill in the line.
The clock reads {"hour": 2, "minute": 29}
